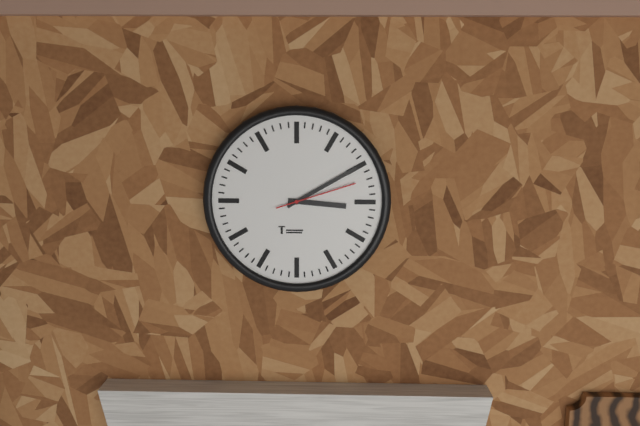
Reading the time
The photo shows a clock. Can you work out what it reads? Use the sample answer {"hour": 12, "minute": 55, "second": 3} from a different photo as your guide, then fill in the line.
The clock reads {"hour": 3, "minute": 10, "second": 12}
